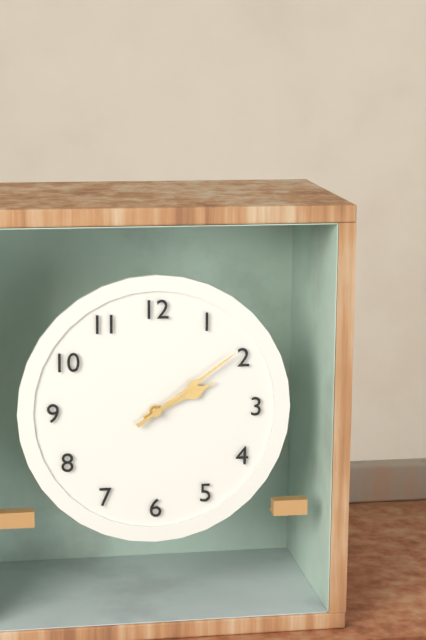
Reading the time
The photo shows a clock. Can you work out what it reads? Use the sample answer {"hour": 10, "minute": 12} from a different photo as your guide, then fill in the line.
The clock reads {"hour": 2, "minute": 9}
